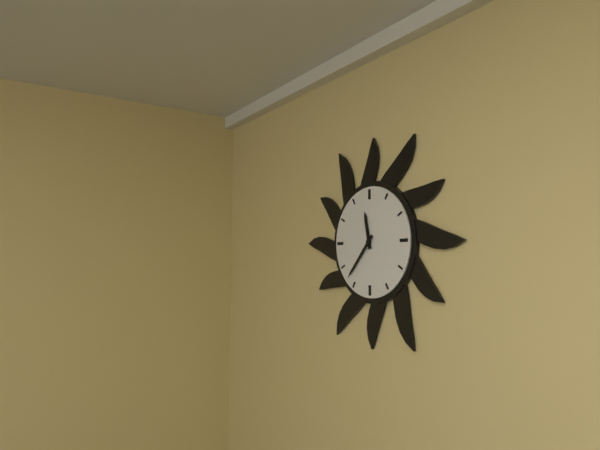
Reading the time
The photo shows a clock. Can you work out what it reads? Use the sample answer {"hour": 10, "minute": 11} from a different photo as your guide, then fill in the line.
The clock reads {"hour": 11, "minute": 37}
